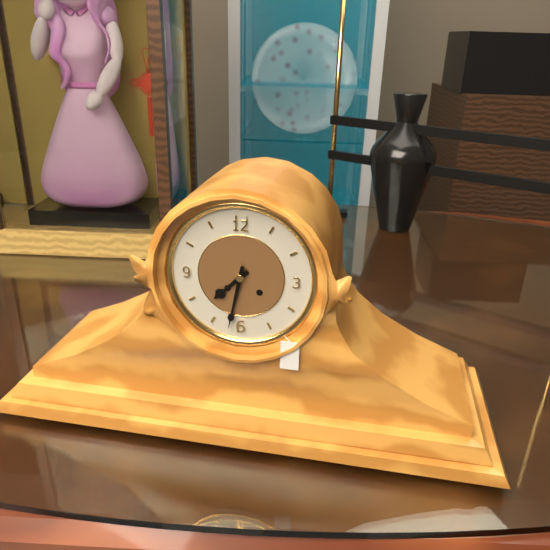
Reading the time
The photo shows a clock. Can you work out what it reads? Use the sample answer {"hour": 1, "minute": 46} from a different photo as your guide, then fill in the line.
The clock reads {"hour": 7, "minute": 32}
